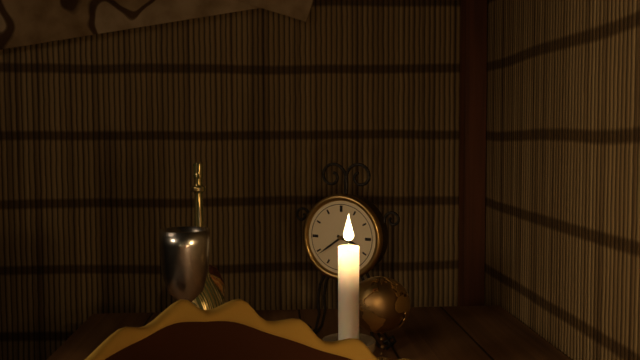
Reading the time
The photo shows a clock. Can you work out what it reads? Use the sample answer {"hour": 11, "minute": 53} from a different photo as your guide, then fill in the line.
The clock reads {"hour": 3, "minute": 39}
